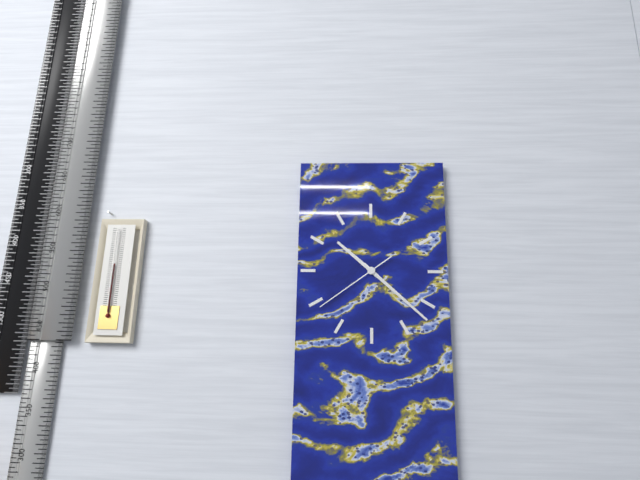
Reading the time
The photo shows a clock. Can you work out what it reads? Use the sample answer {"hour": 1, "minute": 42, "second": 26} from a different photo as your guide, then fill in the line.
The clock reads {"hour": 10, "minute": 22, "second": 39}
